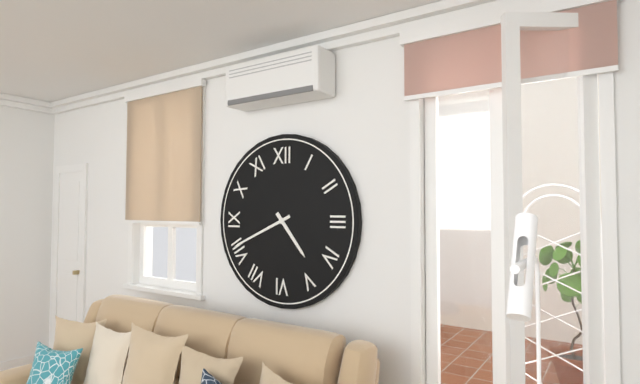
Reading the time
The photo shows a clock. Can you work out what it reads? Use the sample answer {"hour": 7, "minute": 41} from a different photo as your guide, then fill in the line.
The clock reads {"hour": 4, "minute": 41}
